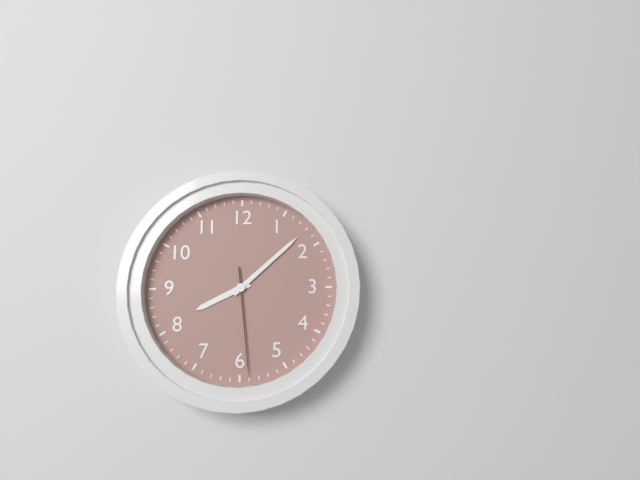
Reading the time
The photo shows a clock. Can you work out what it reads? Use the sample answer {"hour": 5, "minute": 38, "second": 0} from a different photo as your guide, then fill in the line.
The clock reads {"hour": 8, "minute": 8, "second": 29}
